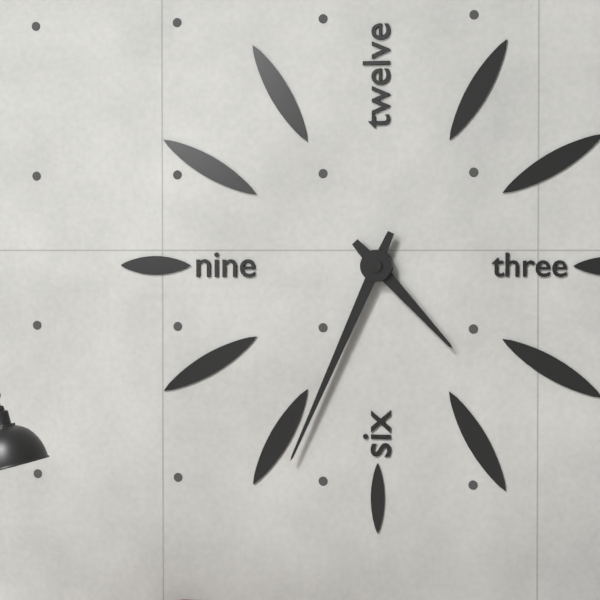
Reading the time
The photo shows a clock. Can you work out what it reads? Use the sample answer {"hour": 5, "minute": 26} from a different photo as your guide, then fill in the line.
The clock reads {"hour": 4, "minute": 34}
